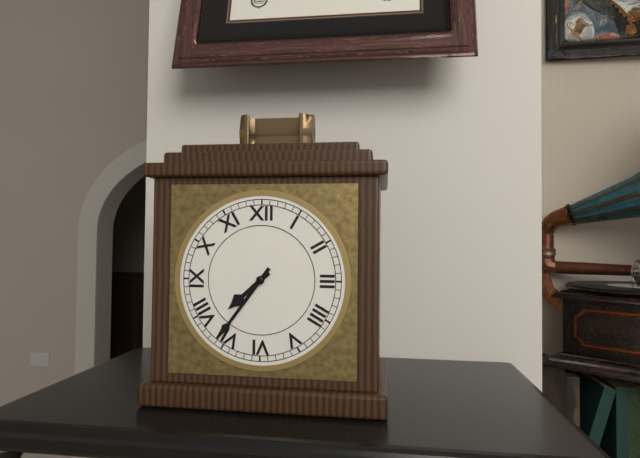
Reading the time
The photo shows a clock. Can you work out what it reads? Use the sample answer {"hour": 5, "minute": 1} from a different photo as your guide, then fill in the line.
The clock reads {"hour": 7, "minute": 36}
